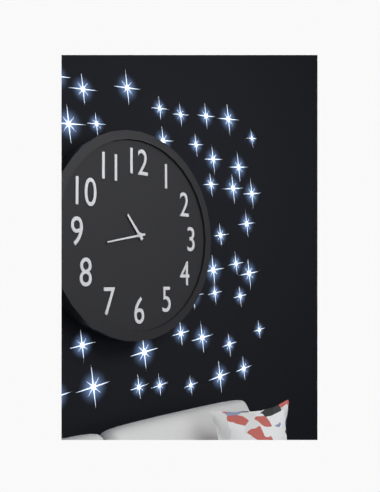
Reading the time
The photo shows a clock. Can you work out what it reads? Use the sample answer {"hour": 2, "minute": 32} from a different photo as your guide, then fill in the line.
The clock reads {"hour": 10, "minute": 43}
